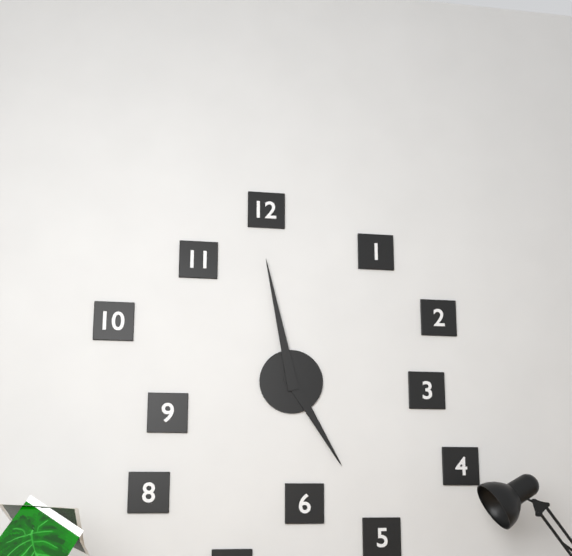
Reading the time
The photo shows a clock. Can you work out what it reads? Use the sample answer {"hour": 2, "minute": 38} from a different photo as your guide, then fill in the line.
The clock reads {"hour": 4, "minute": 58}
